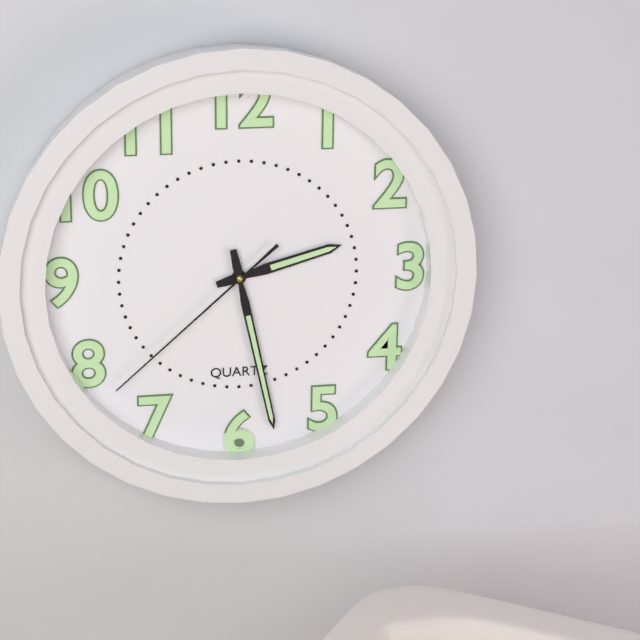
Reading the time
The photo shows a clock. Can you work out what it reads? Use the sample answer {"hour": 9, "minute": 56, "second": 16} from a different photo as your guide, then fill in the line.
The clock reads {"hour": 2, "minute": 28, "second": 38}
